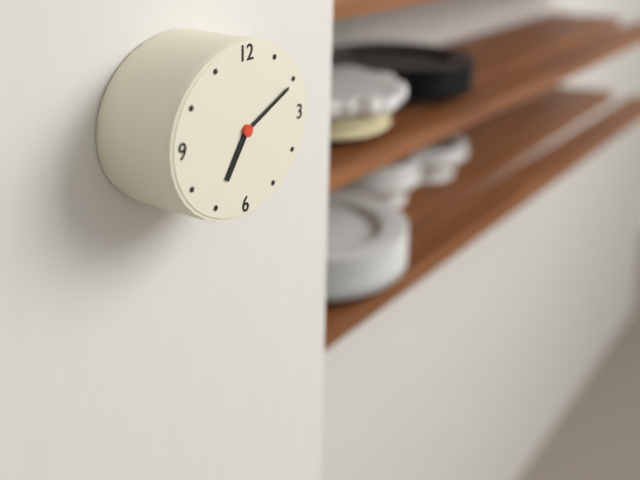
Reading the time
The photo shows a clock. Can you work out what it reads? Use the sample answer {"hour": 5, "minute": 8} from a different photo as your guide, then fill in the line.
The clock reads {"hour": 7, "minute": 11}
